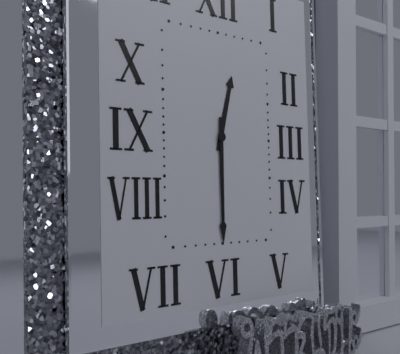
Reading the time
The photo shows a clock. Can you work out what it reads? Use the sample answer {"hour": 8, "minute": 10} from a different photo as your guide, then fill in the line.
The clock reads {"hour": 12, "minute": 30}
